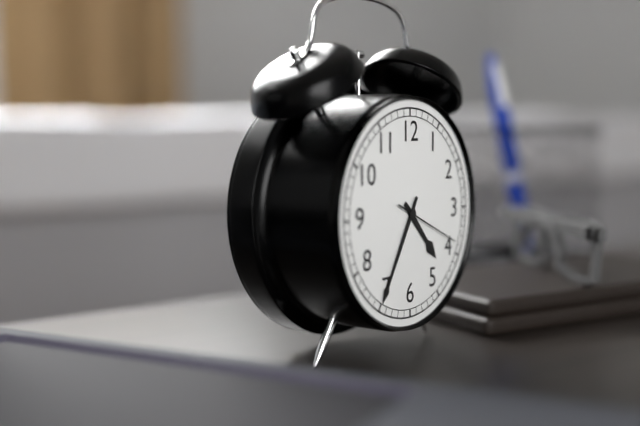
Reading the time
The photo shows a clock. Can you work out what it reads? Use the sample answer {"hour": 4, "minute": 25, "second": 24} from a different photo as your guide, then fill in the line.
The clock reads {"hour": 4, "minute": 35, "second": 19}
